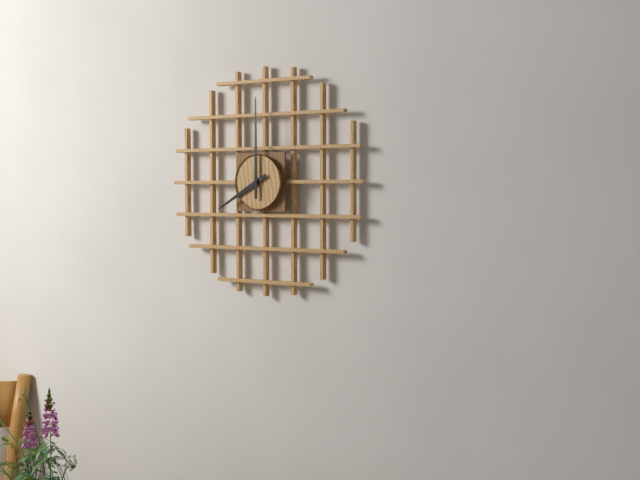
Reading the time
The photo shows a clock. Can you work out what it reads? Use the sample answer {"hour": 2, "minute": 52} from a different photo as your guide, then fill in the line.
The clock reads {"hour": 8, "minute": 0}
